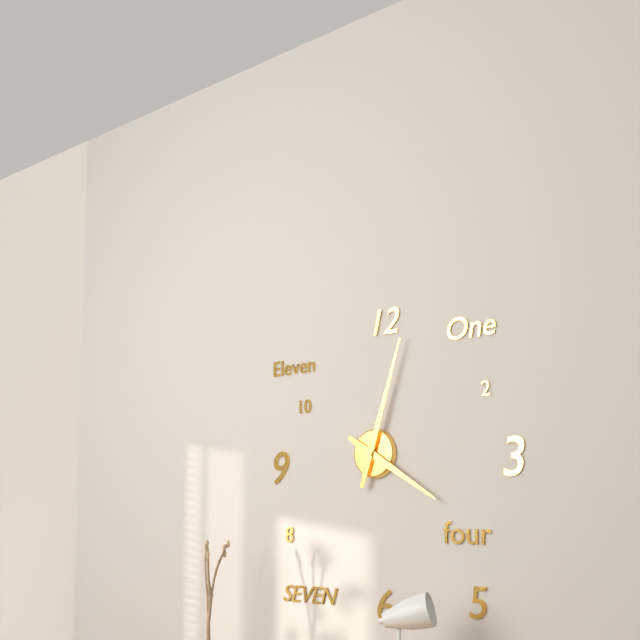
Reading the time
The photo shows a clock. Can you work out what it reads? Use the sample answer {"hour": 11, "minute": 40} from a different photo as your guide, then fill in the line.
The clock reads {"hour": 4, "minute": 3}
